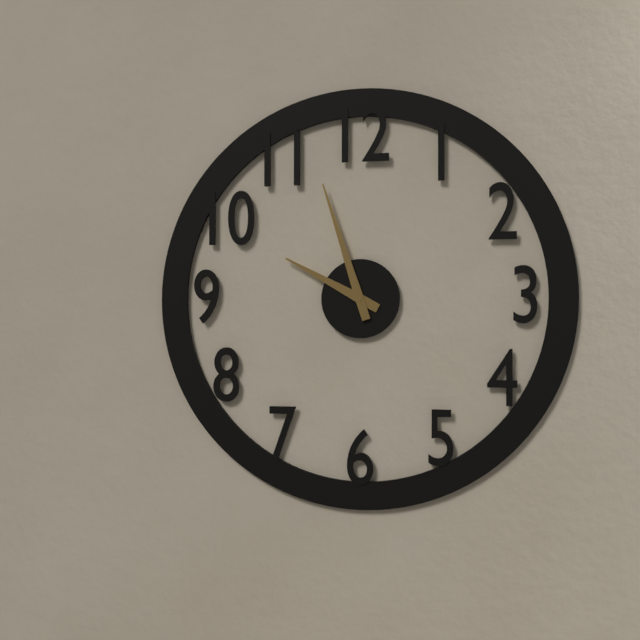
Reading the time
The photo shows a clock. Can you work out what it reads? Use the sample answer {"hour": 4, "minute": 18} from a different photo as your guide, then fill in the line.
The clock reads {"hour": 9, "minute": 57}
